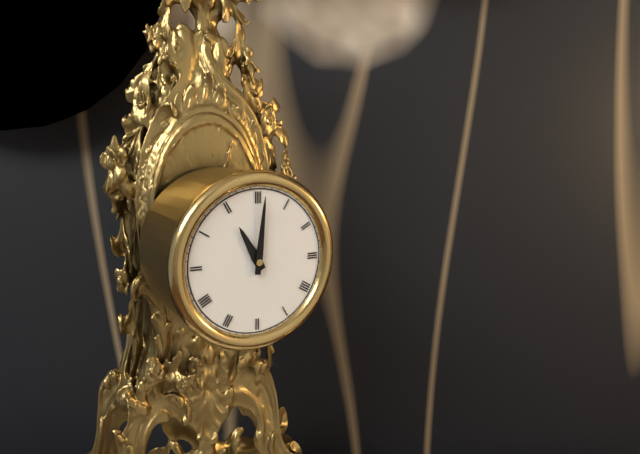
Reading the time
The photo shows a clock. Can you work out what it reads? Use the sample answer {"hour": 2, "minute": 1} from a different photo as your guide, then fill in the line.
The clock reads {"hour": 11, "minute": 1}
